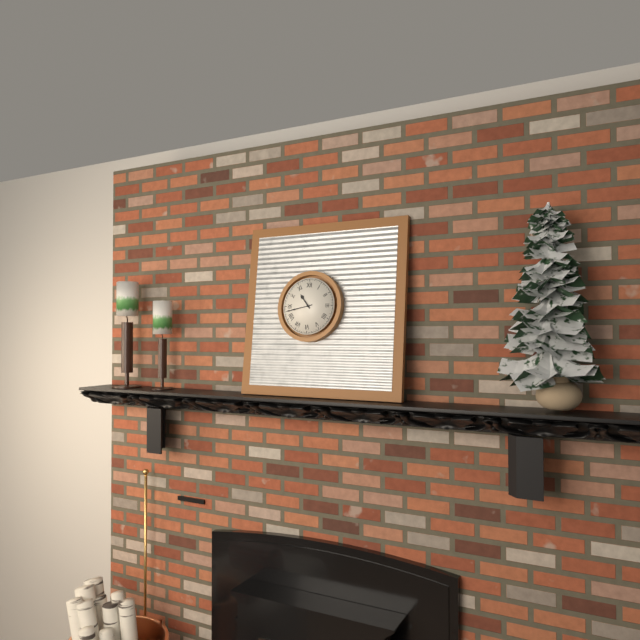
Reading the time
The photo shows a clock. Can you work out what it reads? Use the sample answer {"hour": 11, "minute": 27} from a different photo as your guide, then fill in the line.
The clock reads {"hour": 10, "minute": 43}
